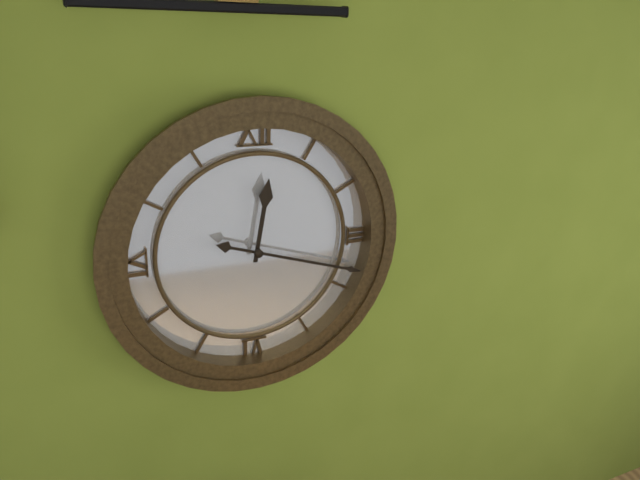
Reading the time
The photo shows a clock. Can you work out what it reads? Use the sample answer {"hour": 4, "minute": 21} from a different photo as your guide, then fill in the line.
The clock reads {"hour": 12, "minute": 18}
